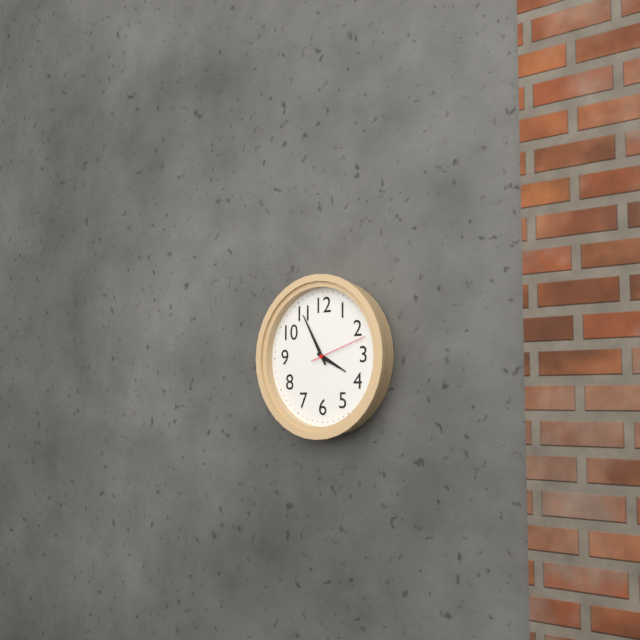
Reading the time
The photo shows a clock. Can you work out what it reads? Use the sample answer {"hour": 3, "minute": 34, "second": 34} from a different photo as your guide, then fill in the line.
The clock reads {"hour": 3, "minute": 55, "second": 12}
